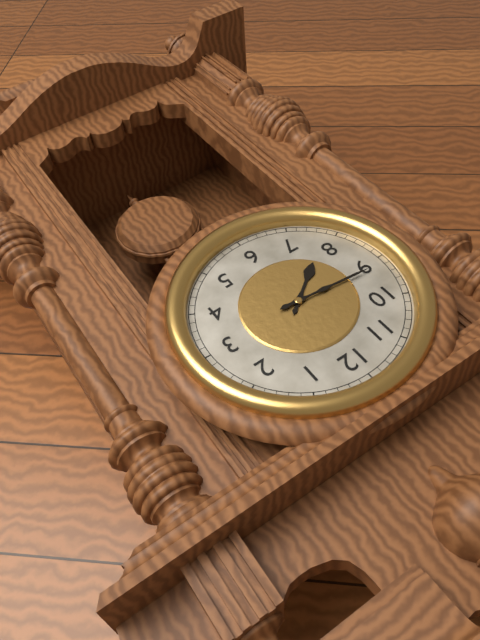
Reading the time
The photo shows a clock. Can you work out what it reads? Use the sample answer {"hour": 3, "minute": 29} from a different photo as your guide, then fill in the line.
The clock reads {"hour": 7, "minute": 46}
